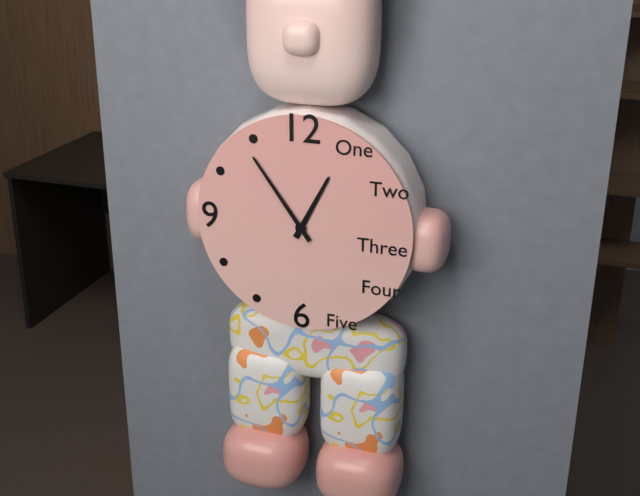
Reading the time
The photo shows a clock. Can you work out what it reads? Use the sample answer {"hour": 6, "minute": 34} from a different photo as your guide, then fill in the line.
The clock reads {"hour": 12, "minute": 54}
